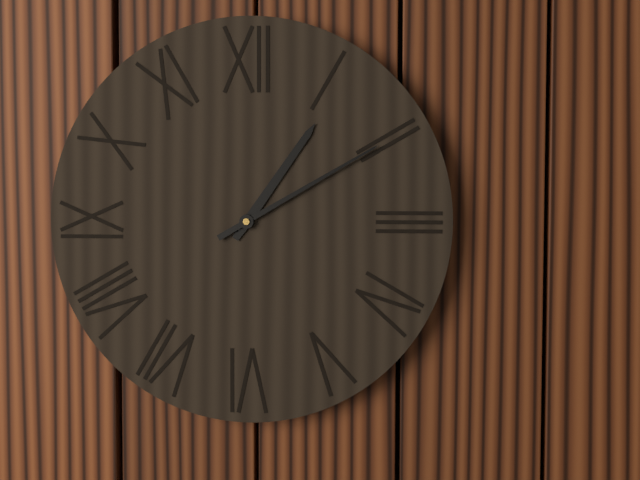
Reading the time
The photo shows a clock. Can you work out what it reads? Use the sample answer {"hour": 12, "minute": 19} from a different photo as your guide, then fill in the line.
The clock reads {"hour": 1, "minute": 10}
